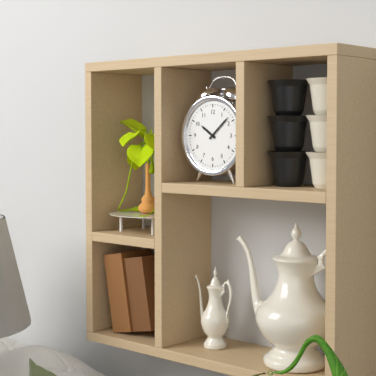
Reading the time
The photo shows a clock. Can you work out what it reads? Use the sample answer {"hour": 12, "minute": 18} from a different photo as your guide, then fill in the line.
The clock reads {"hour": 10, "minute": 8}
